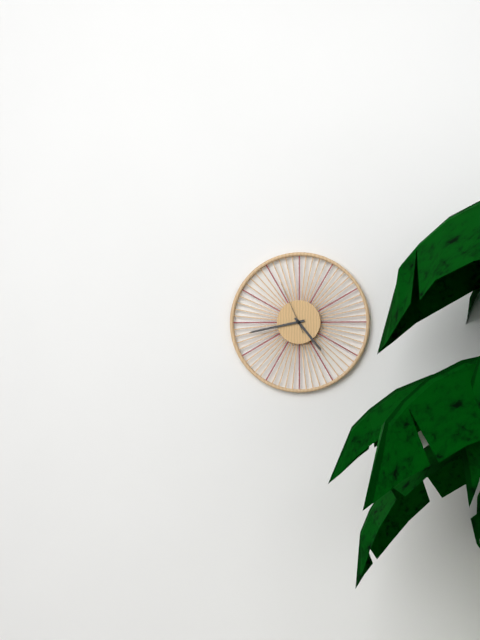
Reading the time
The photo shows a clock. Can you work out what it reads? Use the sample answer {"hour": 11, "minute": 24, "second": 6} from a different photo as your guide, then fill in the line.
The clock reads {"hour": 4, "minute": 43, "second": 56}
